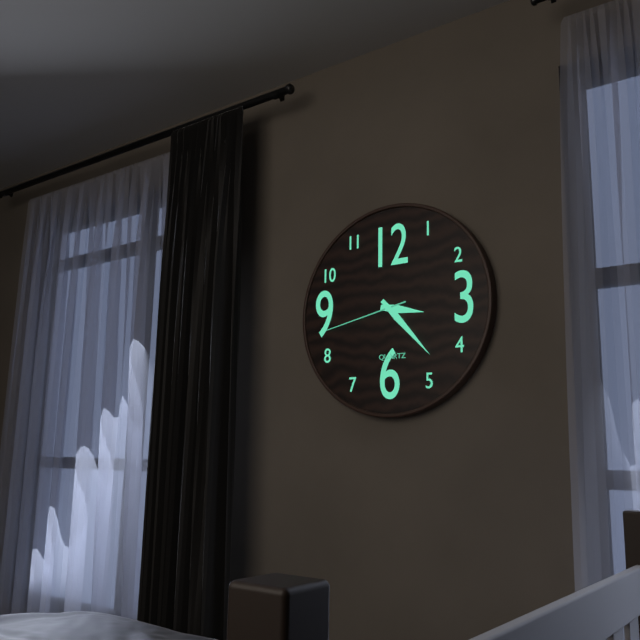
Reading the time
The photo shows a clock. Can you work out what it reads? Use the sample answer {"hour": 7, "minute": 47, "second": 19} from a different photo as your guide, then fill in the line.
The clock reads {"hour": 3, "minute": 23, "second": 43}
